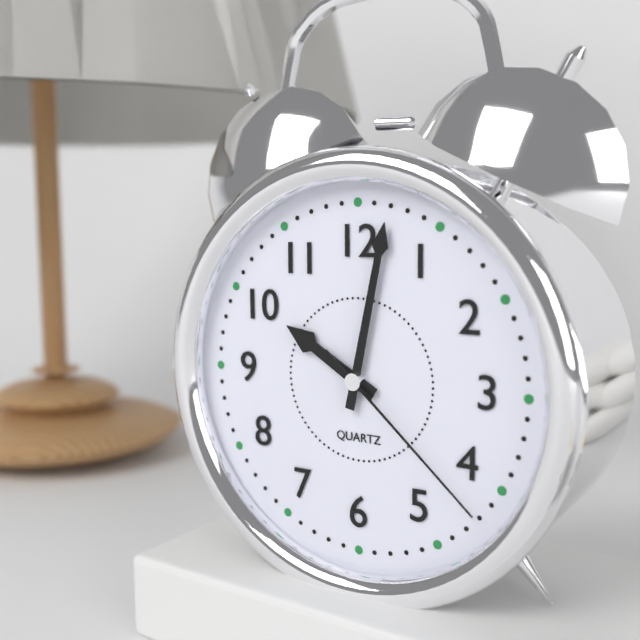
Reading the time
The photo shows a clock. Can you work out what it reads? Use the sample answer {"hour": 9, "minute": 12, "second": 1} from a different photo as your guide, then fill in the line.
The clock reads {"hour": 10, "minute": 2, "second": 22}
